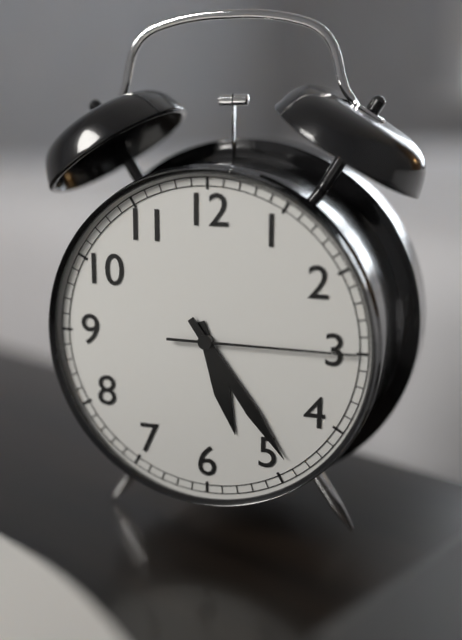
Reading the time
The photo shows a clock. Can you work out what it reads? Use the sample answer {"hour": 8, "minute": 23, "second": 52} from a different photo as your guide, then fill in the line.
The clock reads {"hour": 5, "minute": 24, "second": 15}
